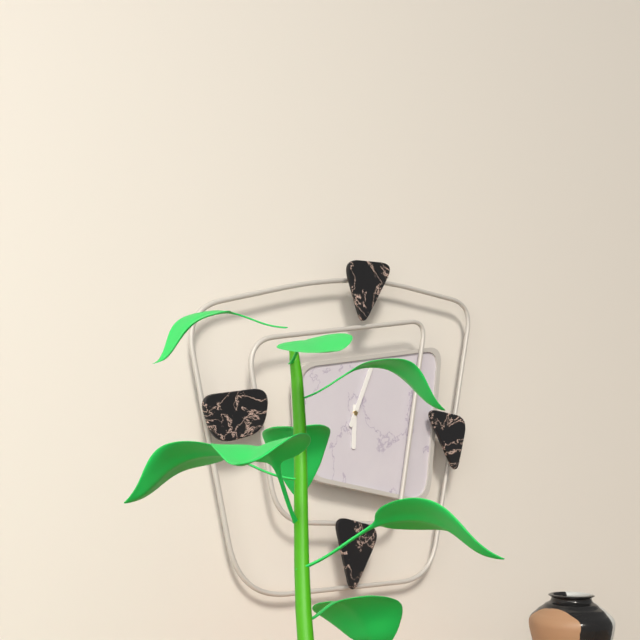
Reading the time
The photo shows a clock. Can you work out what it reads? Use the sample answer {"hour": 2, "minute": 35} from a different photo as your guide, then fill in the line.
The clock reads {"hour": 6, "minute": 4}
